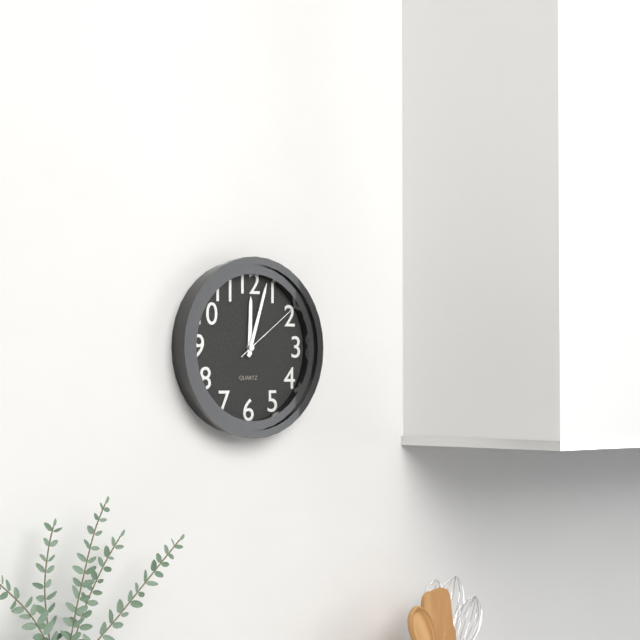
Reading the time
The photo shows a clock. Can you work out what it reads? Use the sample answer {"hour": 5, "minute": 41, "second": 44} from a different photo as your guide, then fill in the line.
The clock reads {"hour": 12, "minute": 3, "second": 9}
